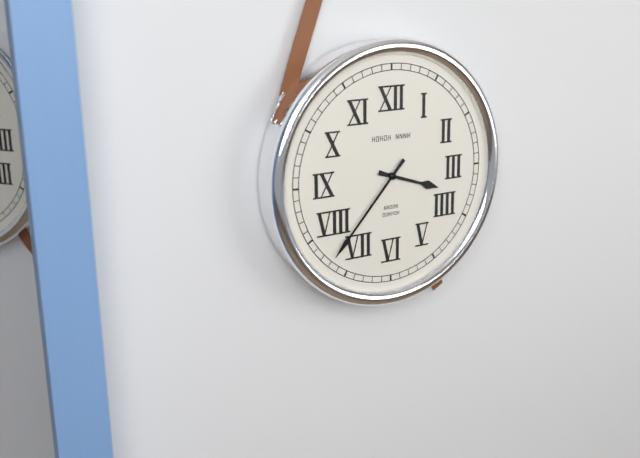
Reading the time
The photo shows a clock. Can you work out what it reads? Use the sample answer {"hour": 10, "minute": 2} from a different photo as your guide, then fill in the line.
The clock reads {"hour": 3, "minute": 37}
